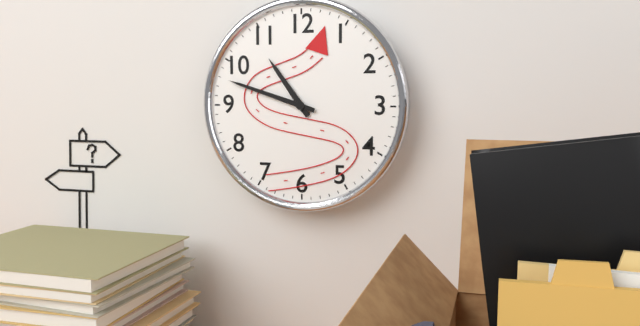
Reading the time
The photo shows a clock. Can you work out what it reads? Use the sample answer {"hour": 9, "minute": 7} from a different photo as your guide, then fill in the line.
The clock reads {"hour": 10, "minute": 48}
